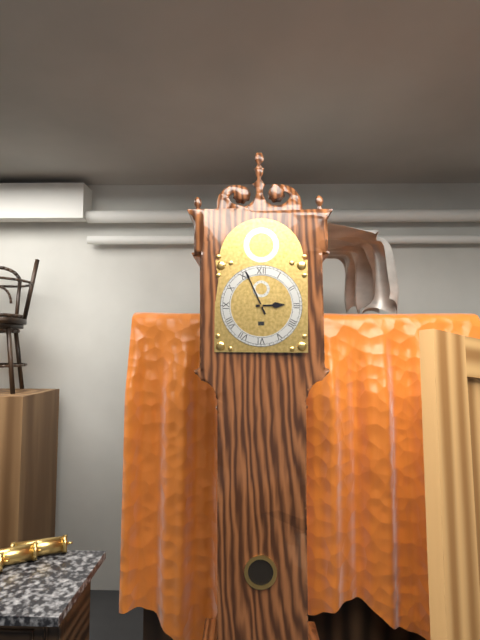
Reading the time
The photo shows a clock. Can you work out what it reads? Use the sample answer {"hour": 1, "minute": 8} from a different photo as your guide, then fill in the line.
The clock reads {"hour": 2, "minute": 56}
